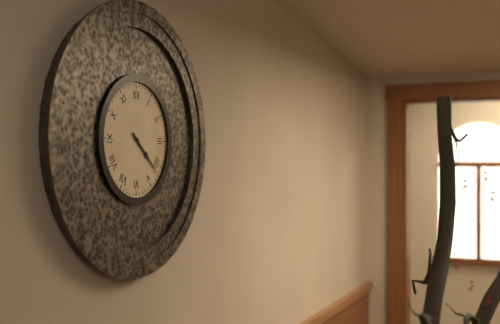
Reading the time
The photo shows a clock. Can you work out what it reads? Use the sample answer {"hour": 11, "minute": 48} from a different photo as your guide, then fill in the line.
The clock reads {"hour": 4, "minute": 22}
